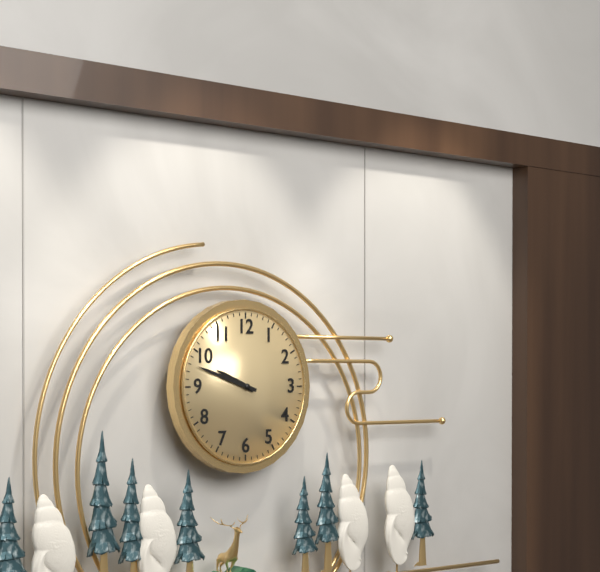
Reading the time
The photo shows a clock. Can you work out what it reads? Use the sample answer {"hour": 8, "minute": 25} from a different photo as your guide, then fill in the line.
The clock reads {"hour": 9, "minute": 48}
